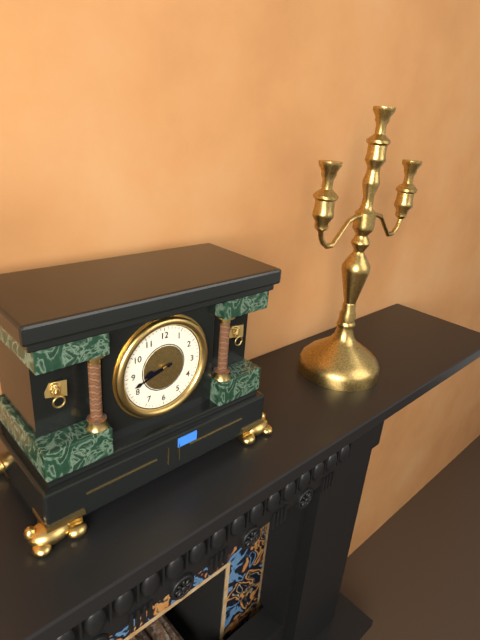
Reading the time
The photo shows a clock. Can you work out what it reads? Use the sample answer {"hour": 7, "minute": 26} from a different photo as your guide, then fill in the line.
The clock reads {"hour": 8, "minute": 42}
